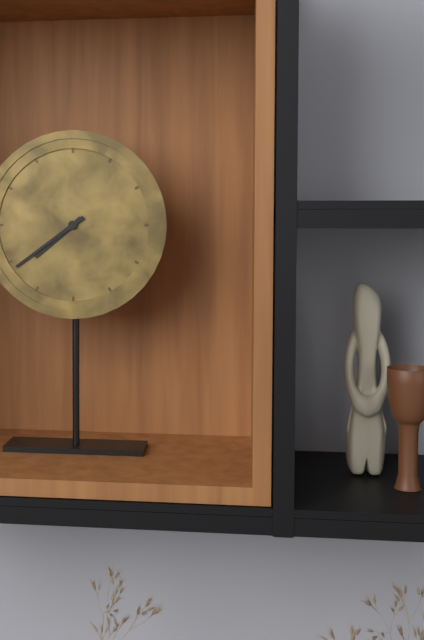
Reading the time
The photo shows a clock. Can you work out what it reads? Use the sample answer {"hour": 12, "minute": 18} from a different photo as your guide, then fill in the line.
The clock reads {"hour": 7, "minute": 39}
